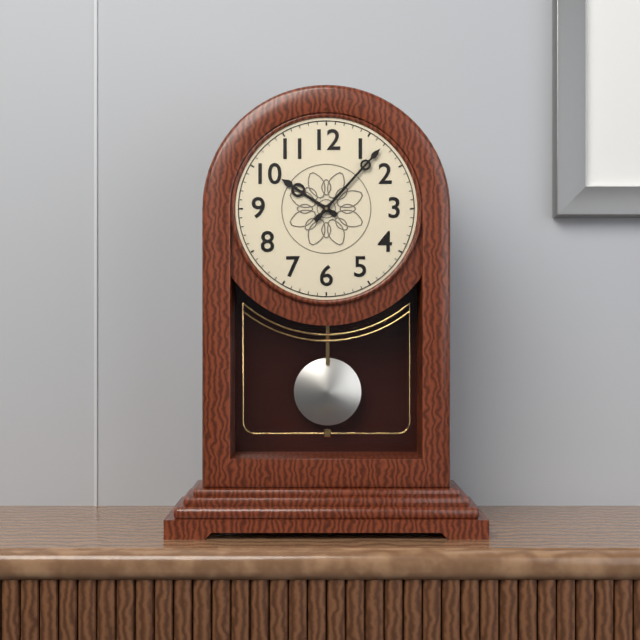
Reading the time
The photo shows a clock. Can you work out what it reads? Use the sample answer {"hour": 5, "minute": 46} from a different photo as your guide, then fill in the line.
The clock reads {"hour": 10, "minute": 7}
